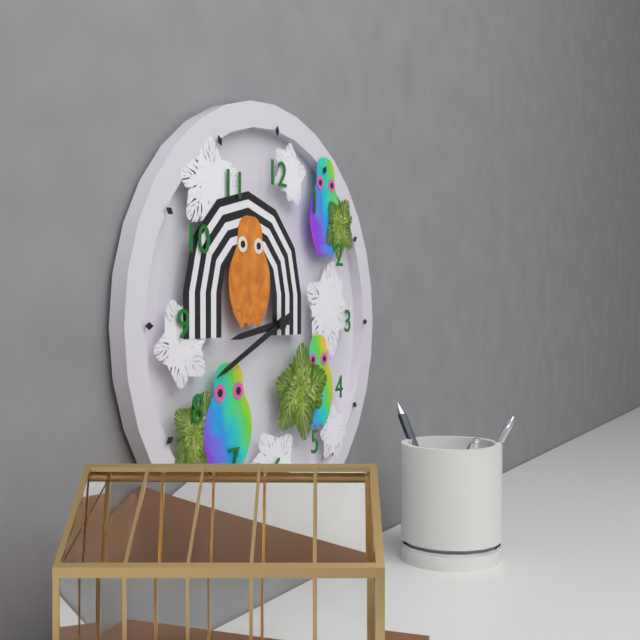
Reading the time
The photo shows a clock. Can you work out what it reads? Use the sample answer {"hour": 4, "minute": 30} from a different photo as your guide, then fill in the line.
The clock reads {"hour": 8, "minute": 41}
